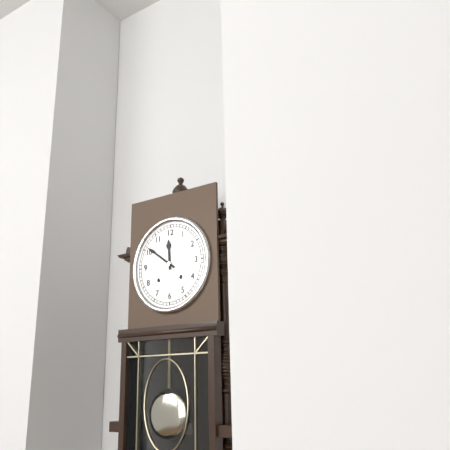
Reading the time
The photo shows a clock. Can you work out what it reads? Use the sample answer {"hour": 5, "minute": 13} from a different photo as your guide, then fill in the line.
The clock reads {"hour": 11, "minute": 51}
